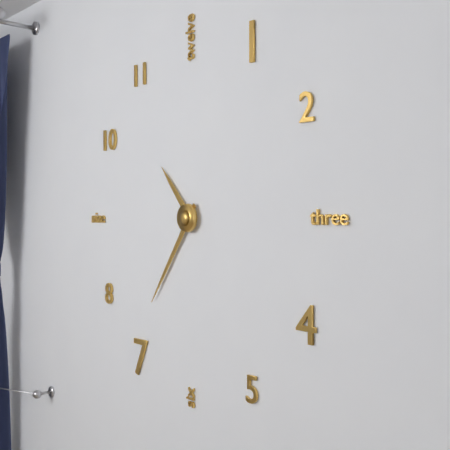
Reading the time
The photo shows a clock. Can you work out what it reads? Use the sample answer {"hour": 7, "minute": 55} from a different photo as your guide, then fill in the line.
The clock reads {"hour": 10, "minute": 36}
